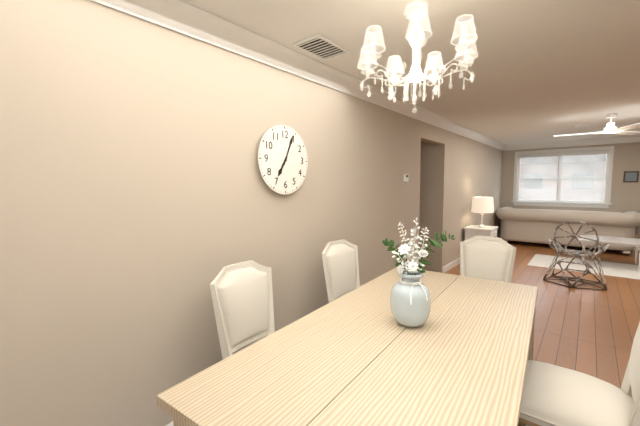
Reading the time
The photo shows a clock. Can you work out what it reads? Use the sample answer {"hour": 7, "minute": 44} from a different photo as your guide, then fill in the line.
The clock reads {"hour": 7, "minute": 4}
